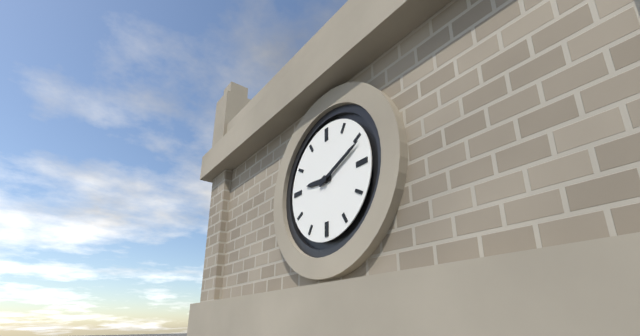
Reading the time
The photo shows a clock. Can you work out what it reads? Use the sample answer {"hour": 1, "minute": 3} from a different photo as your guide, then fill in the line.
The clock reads {"hour": 9, "minute": 11}
